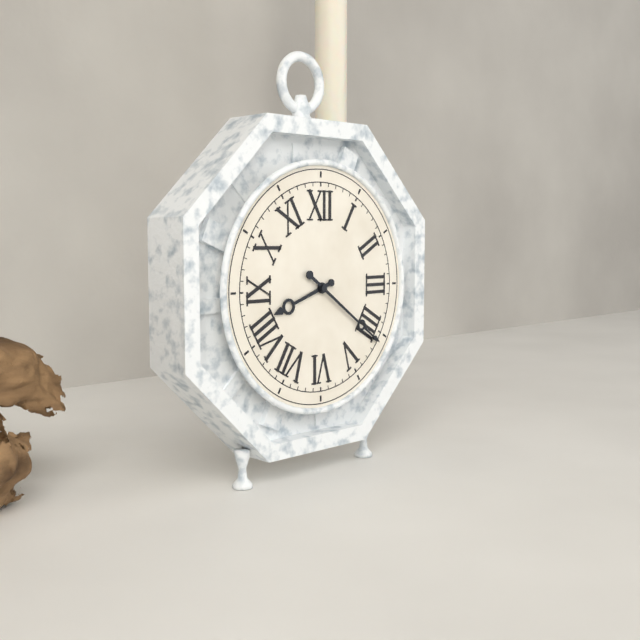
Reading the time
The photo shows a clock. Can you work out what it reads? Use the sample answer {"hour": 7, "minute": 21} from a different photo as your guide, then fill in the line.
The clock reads {"hour": 8, "minute": 21}
